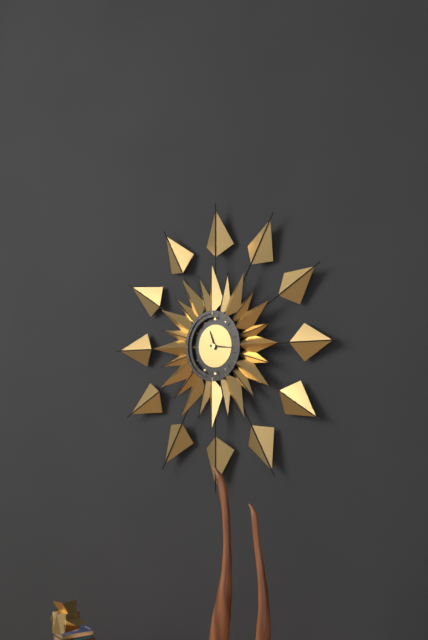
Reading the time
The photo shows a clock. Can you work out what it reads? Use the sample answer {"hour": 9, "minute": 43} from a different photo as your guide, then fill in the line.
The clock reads {"hour": 11, "minute": 16}
